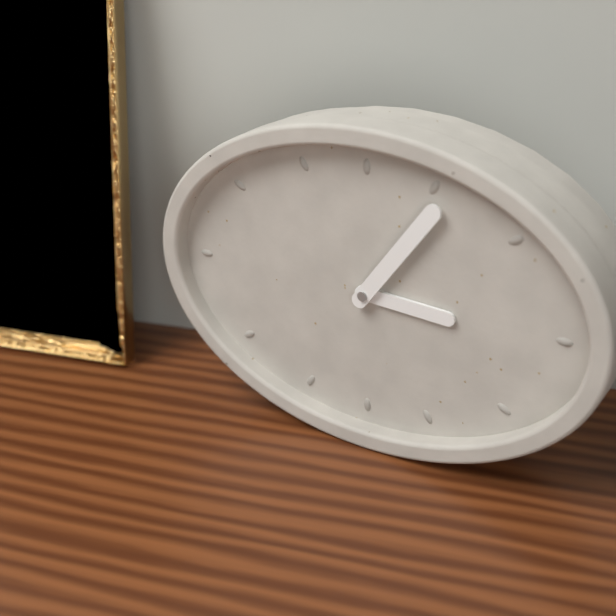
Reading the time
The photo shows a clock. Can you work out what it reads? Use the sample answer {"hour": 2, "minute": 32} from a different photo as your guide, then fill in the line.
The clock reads {"hour": 3, "minute": 6}
